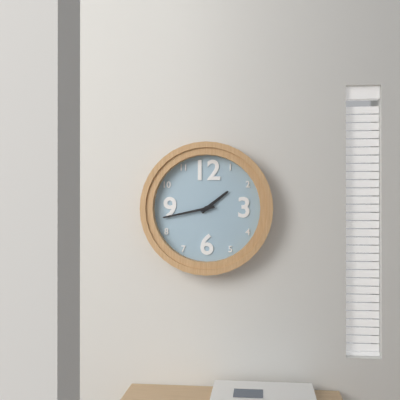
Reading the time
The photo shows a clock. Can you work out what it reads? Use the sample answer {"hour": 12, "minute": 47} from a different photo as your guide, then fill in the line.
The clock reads {"hour": 1, "minute": 43}
